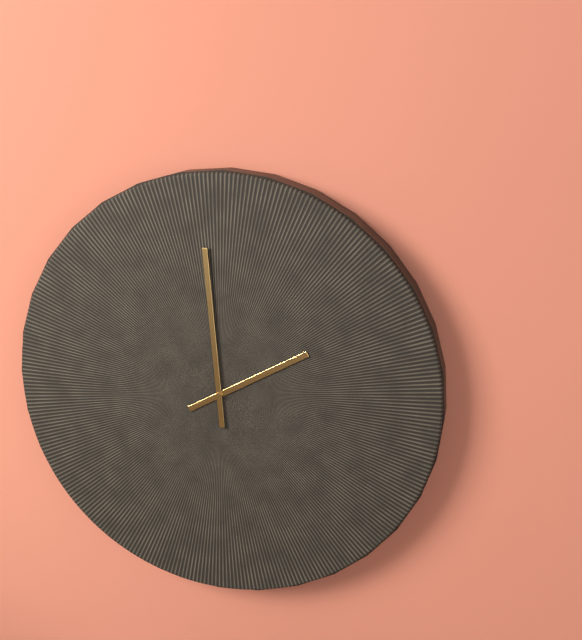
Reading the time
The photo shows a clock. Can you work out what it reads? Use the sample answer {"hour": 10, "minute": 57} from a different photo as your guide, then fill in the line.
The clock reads {"hour": 1, "minute": 59}
